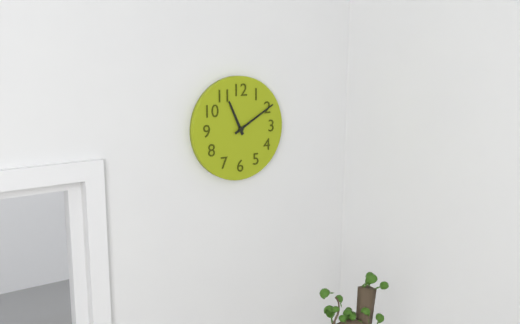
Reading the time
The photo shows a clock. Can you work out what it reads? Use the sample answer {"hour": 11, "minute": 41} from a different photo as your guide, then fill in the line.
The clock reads {"hour": 11, "minute": 10}
